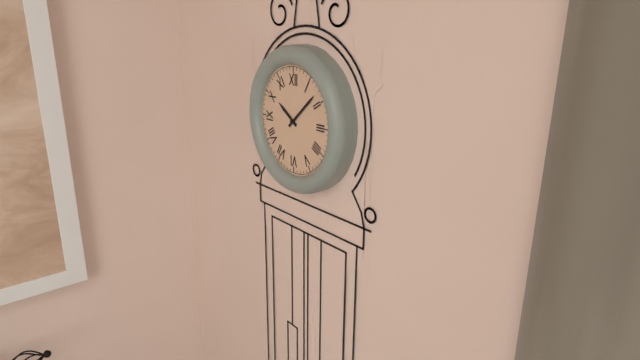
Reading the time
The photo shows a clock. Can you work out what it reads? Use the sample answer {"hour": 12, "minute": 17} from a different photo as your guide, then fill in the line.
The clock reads {"hour": 10, "minute": 8}
